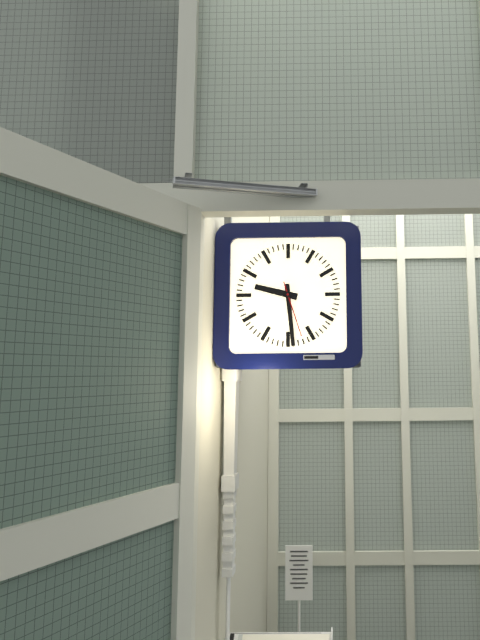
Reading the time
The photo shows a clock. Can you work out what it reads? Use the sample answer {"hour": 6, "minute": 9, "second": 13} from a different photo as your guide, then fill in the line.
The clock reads {"hour": 9, "minute": 29, "second": 27}
